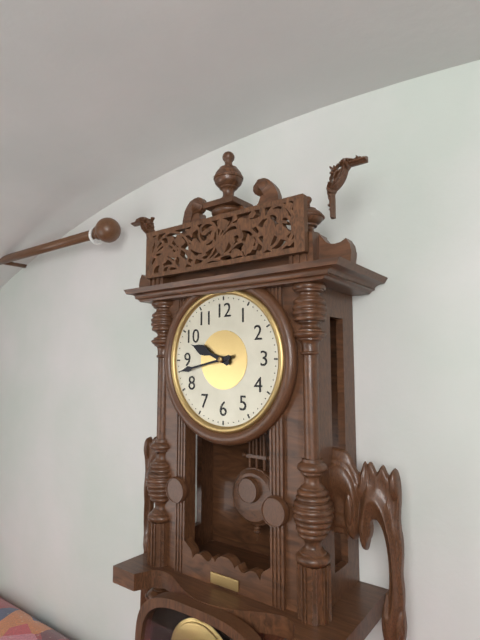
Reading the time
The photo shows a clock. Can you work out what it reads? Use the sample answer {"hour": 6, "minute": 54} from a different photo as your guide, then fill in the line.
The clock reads {"hour": 9, "minute": 43}
